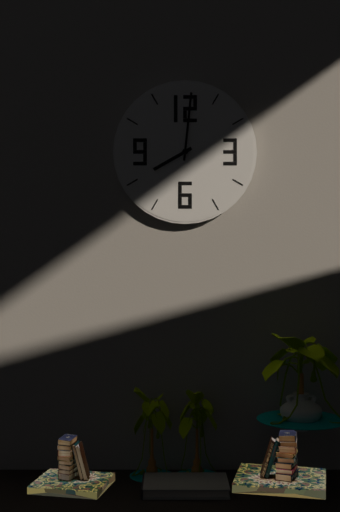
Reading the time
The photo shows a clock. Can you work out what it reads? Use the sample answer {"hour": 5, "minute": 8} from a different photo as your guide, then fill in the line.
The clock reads {"hour": 8, "minute": 1}
